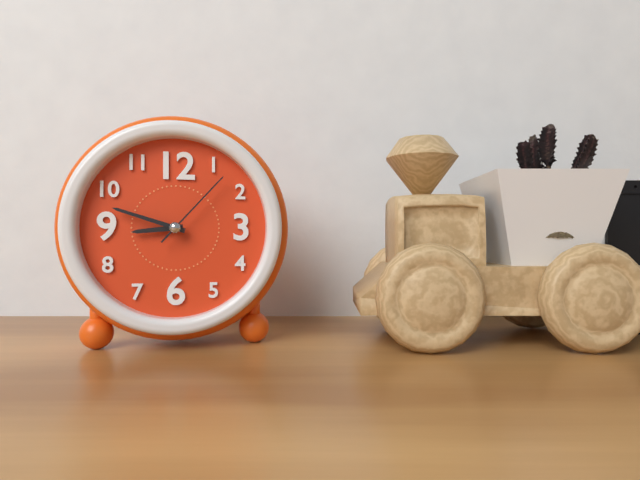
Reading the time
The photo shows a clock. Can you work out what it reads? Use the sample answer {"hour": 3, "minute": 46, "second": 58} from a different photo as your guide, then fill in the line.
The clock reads {"hour": 8, "minute": 48, "second": 7}
